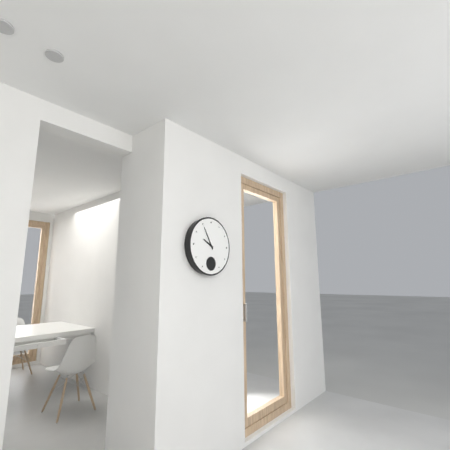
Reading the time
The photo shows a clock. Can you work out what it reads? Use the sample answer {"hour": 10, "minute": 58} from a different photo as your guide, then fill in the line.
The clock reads {"hour": 9, "minute": 55}
